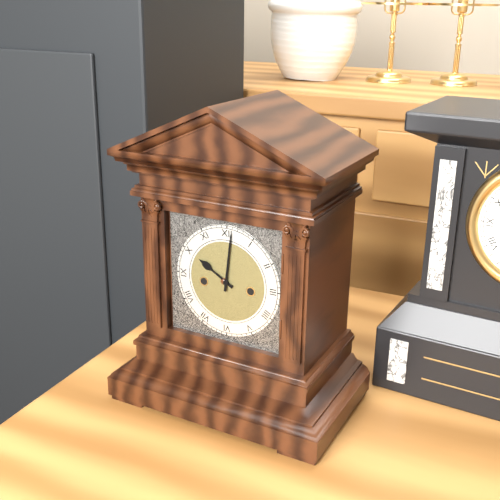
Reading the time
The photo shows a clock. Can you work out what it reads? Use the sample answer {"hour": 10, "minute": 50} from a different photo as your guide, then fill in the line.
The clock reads {"hour": 10, "minute": 1}
